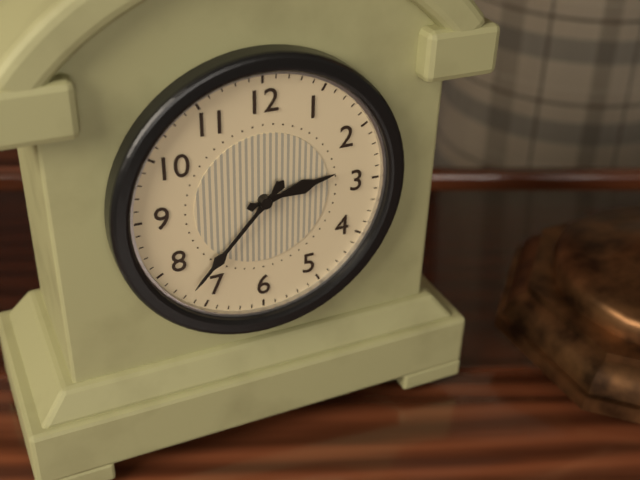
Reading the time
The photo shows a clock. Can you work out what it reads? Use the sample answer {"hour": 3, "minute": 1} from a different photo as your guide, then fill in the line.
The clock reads {"hour": 2, "minute": 37}
